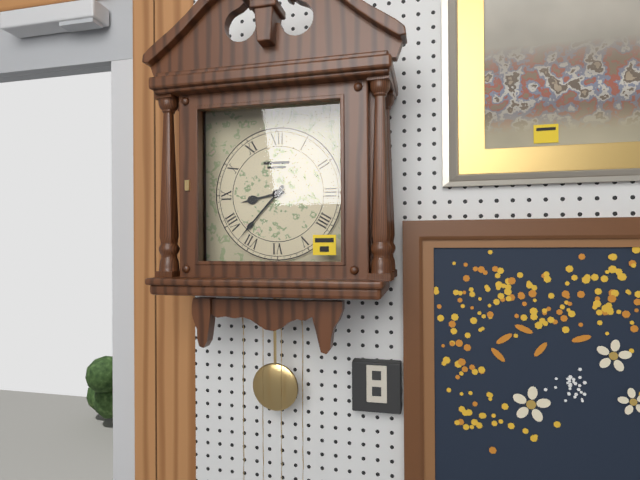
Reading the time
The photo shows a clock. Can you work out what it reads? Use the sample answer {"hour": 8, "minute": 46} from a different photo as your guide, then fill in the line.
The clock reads {"hour": 8, "minute": 37}
